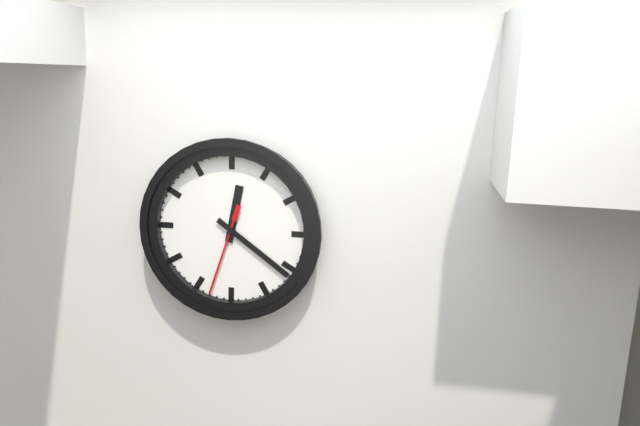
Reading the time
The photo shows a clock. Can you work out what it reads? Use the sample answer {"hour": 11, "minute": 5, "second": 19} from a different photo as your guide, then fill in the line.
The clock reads {"hour": 12, "minute": 21, "second": 33}
